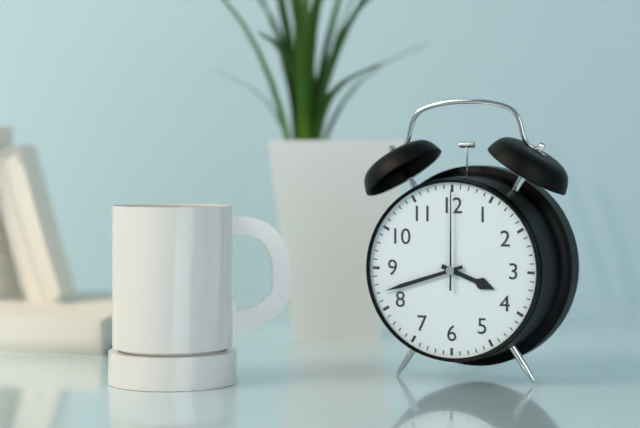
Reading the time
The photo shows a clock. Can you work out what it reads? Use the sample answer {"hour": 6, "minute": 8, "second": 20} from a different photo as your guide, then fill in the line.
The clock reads {"hour": 3, "minute": 42, "second": 0}
